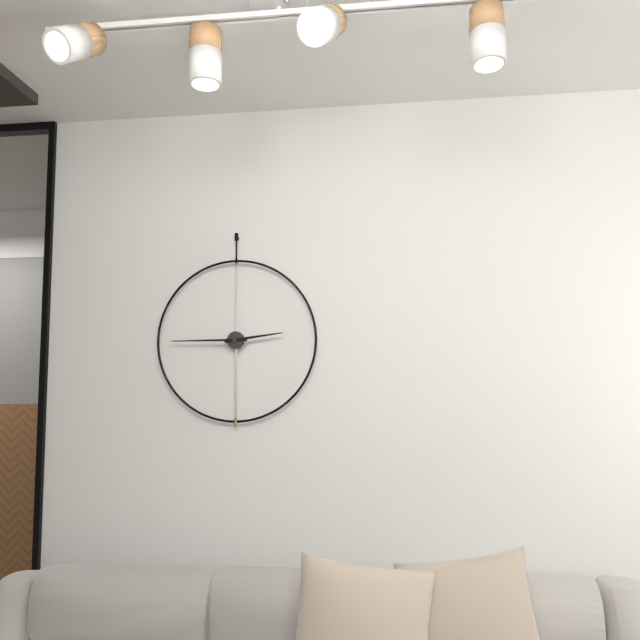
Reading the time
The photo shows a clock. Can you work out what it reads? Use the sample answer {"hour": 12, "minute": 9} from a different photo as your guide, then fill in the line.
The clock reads {"hour": 2, "minute": 45}
